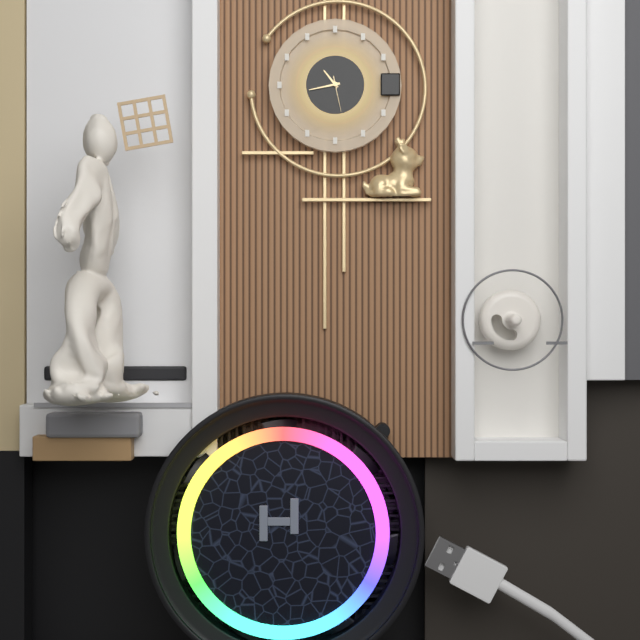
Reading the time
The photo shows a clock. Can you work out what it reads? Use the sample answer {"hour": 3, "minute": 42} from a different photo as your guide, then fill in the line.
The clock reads {"hour": 10, "minute": 43}
